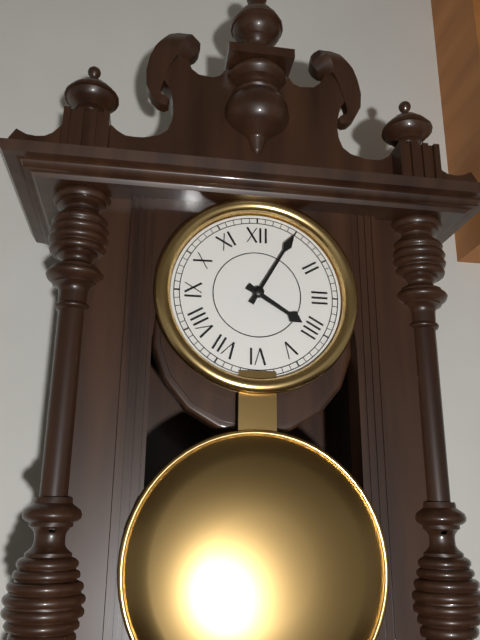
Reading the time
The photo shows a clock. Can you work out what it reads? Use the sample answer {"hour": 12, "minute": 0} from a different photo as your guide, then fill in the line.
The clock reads {"hour": 4, "minute": 5}
